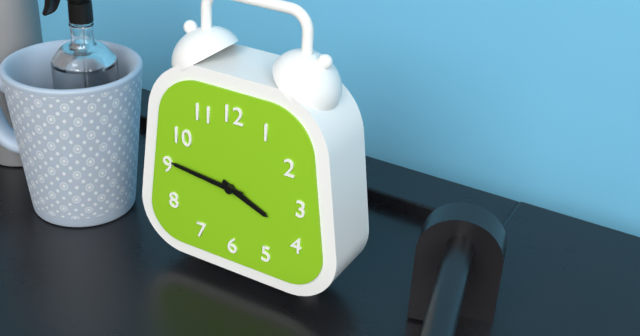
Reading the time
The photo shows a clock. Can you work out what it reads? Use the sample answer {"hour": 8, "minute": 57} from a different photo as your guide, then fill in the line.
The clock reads {"hour": 3, "minute": 46}
